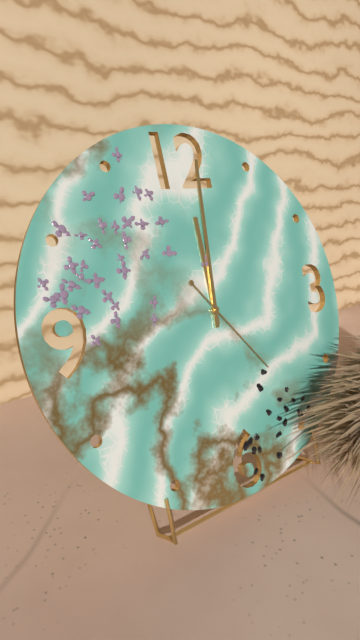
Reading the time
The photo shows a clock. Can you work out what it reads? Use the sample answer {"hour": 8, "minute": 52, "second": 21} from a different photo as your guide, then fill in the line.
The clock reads {"hour": 12, "minute": 1, "second": 24}
